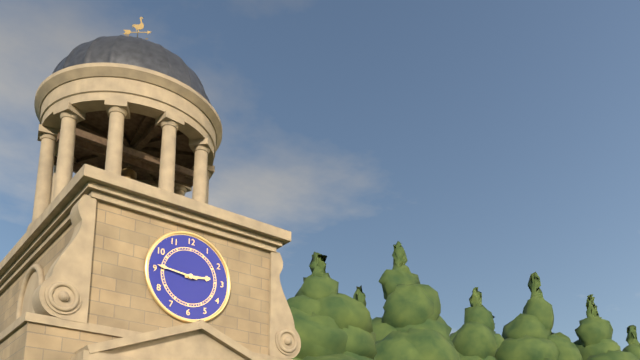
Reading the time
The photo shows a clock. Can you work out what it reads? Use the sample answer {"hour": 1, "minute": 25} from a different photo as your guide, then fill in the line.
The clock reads {"hour": 2, "minute": 46}
